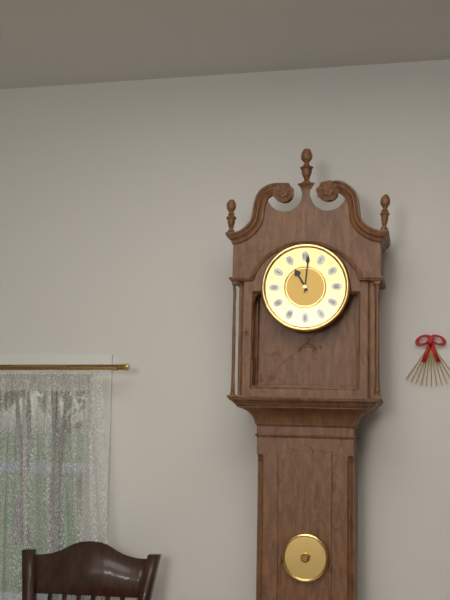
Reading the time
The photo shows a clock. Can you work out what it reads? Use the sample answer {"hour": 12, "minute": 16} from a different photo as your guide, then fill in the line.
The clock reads {"hour": 11, "minute": 1}
